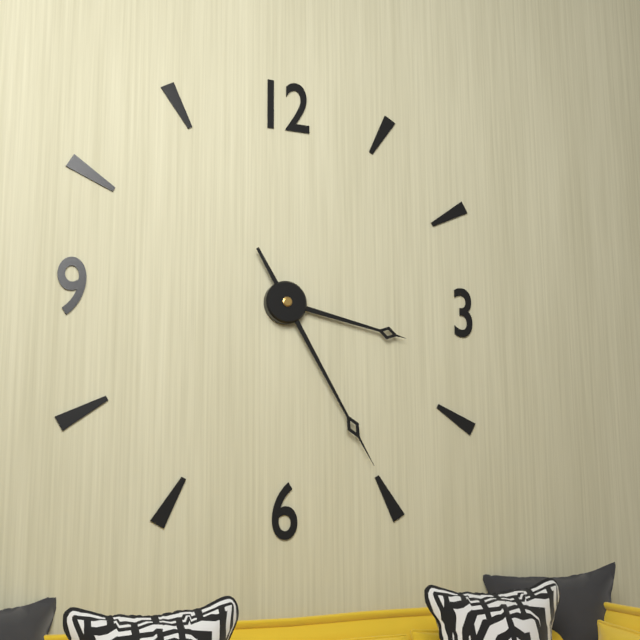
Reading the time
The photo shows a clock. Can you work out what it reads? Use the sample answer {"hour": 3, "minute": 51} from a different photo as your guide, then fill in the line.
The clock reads {"hour": 3, "minute": 25}
